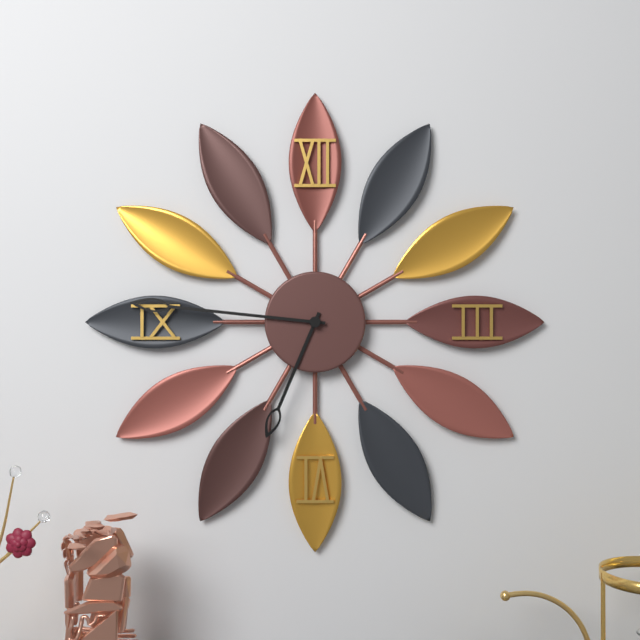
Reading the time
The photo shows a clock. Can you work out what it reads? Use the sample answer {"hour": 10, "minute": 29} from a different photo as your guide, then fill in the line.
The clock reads {"hour": 6, "minute": 46}
